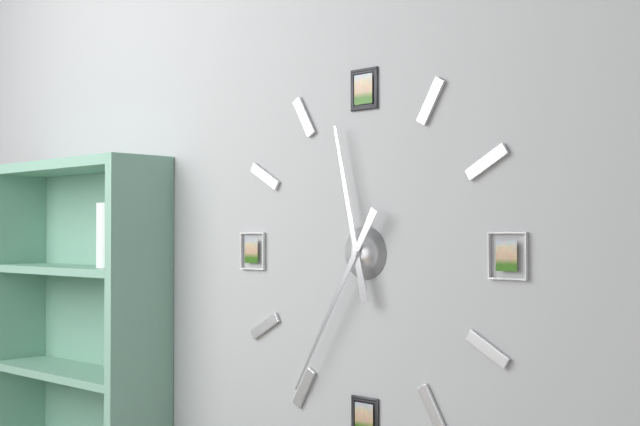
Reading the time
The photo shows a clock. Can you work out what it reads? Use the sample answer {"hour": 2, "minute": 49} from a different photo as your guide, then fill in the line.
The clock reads {"hour": 11, "minute": 35}
